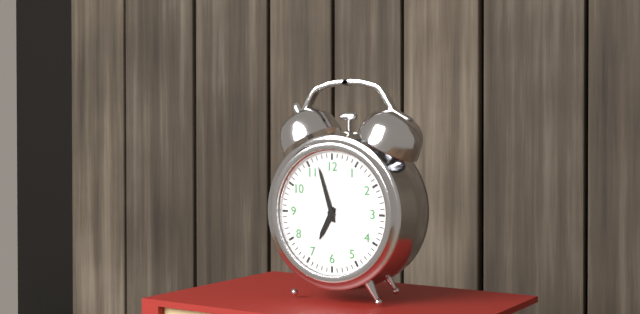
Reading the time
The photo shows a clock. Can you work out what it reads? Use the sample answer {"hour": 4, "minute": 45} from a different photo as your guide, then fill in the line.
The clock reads {"hour": 6, "minute": 57}
